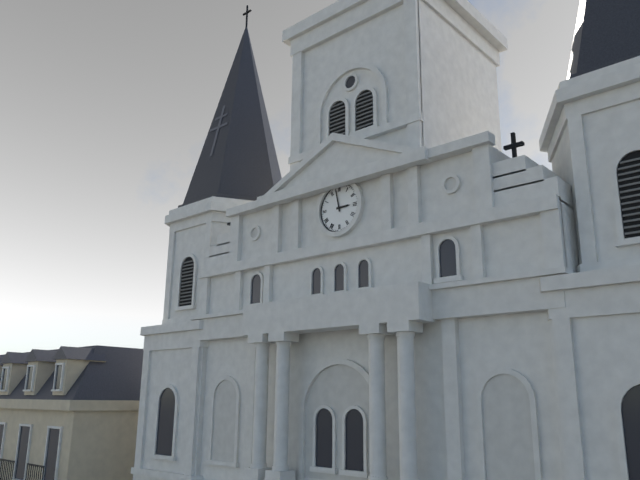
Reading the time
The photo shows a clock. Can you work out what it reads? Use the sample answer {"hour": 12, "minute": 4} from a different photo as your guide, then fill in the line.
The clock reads {"hour": 2, "minute": 58}
